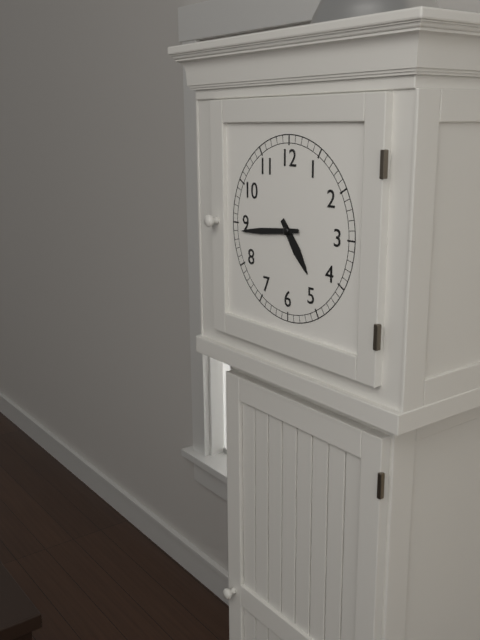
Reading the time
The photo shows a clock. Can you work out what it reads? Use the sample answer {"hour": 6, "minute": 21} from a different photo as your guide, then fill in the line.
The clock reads {"hour": 4, "minute": 44}
